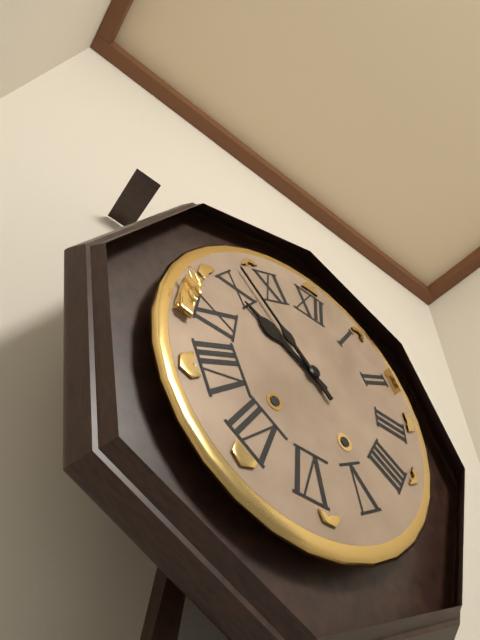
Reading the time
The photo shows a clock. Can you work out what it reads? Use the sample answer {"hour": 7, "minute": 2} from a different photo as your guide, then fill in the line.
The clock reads {"hour": 9, "minute": 52}
